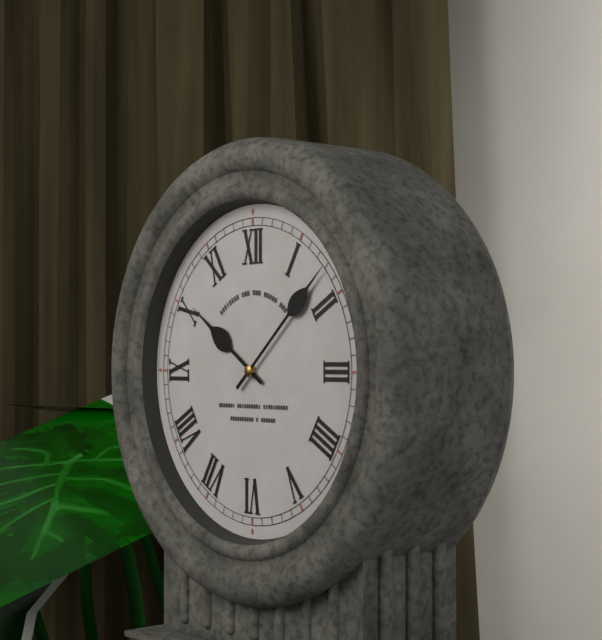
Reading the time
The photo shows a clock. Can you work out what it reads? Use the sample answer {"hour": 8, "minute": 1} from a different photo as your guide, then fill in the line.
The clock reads {"hour": 10, "minute": 8}
